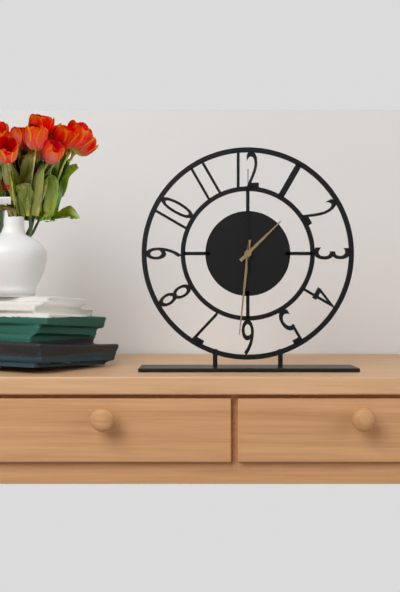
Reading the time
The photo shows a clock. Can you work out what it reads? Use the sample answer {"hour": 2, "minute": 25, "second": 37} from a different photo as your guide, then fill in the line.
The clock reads {"hour": 1, "minute": 31, "second": 0}
